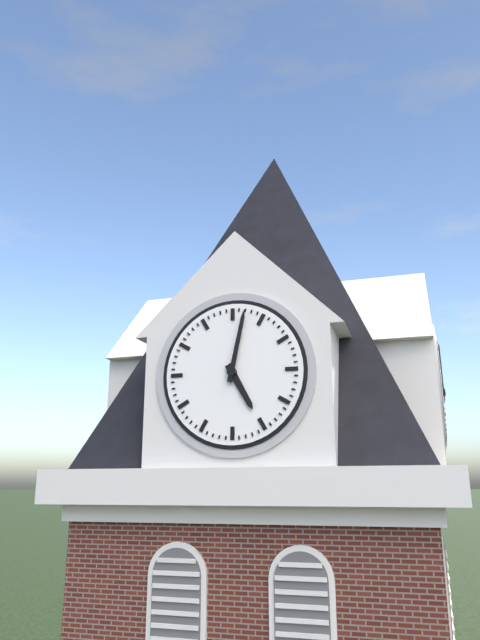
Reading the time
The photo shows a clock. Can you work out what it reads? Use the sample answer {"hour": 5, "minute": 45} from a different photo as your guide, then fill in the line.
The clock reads {"hour": 5, "minute": 2}
